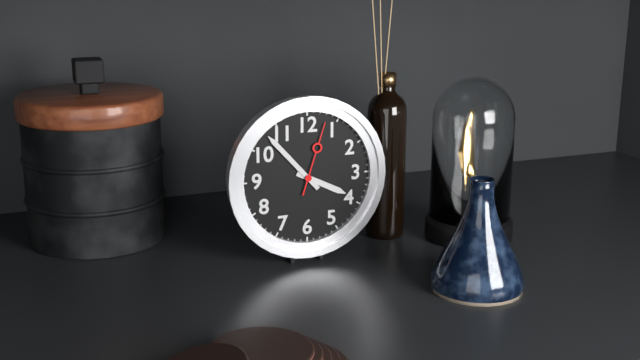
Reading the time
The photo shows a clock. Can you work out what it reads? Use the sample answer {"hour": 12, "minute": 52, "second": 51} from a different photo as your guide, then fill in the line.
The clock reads {"hour": 3, "minute": 53, "second": 3}
